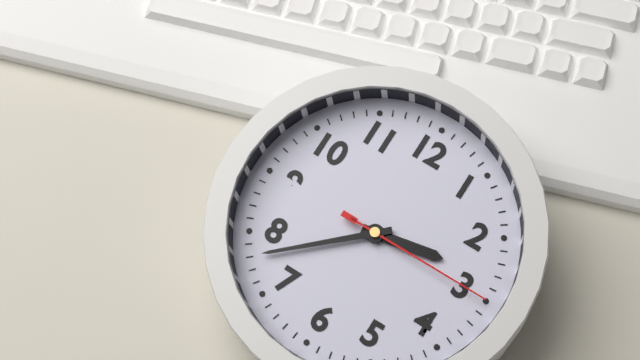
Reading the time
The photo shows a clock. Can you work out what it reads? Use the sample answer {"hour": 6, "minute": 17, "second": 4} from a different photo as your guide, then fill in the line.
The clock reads {"hour": 2, "minute": 38, "second": 15}
